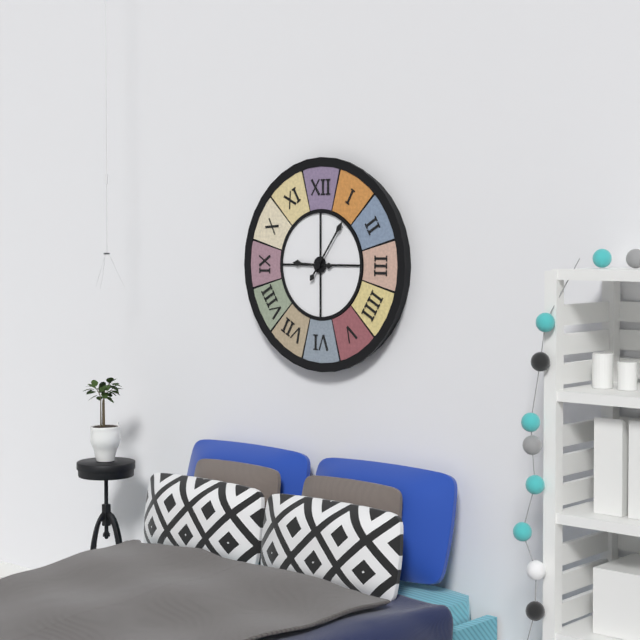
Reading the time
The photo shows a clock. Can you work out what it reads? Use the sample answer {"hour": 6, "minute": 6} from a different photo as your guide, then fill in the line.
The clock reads {"hour": 9, "minute": 6}
